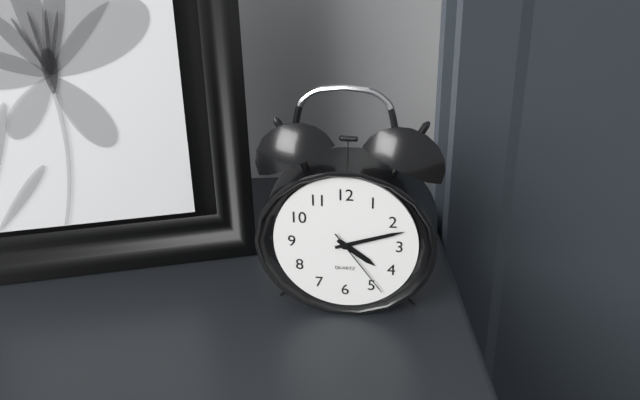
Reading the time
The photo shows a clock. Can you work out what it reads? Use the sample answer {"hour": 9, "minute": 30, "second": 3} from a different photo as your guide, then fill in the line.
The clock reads {"hour": 4, "minute": 12, "second": 24}
